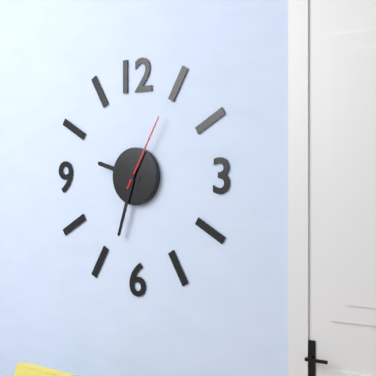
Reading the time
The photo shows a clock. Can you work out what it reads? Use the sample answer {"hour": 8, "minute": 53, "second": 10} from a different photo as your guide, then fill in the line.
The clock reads {"hour": 9, "minute": 33, "second": 5}
